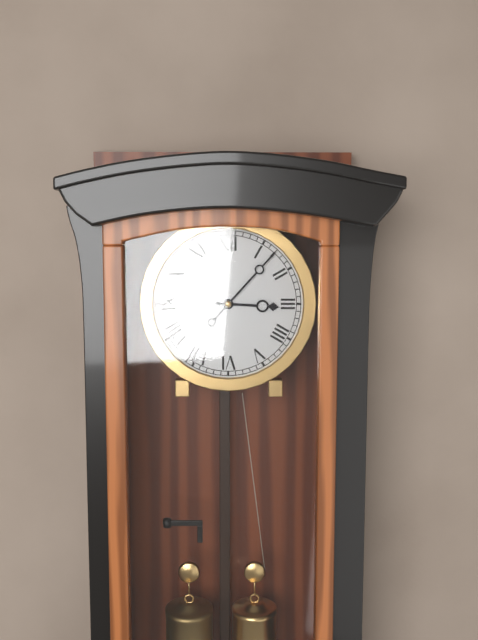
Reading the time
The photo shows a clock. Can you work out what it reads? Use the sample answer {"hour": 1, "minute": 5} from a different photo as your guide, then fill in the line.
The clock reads {"hour": 3, "minute": 7}
